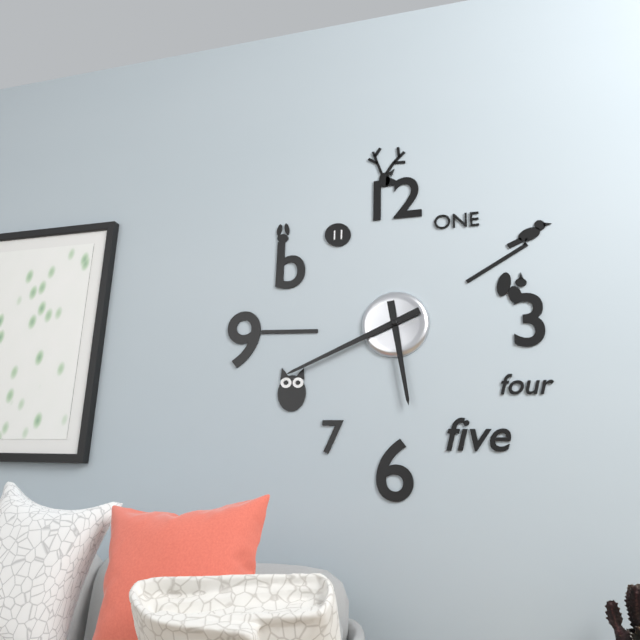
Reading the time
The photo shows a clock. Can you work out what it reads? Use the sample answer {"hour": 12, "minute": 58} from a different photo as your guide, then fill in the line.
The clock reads {"hour": 5, "minute": 41}
